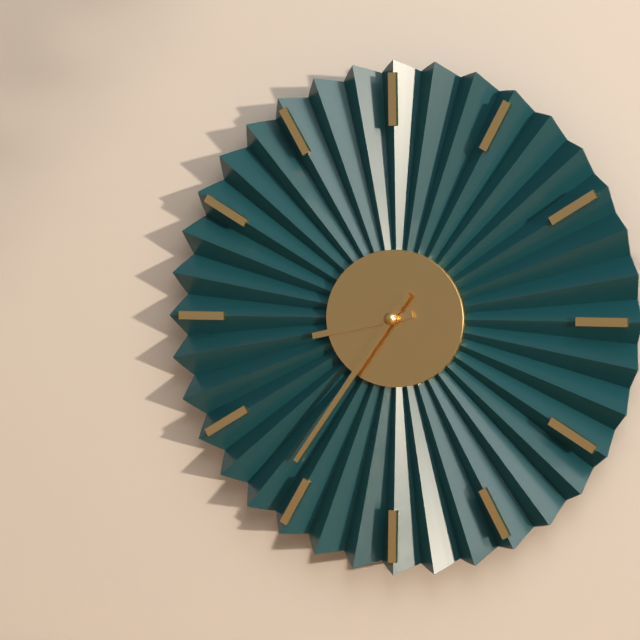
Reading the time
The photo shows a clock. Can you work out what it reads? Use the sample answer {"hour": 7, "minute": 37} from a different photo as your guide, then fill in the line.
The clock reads {"hour": 8, "minute": 36}
